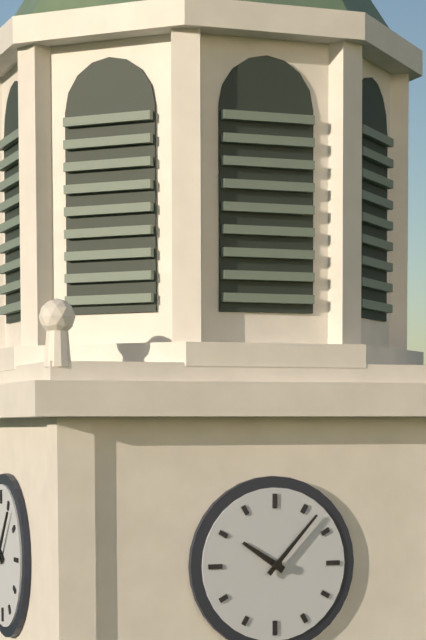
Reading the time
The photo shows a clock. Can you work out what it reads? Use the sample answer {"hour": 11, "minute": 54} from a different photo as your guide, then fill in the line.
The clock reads {"hour": 10, "minute": 7}
